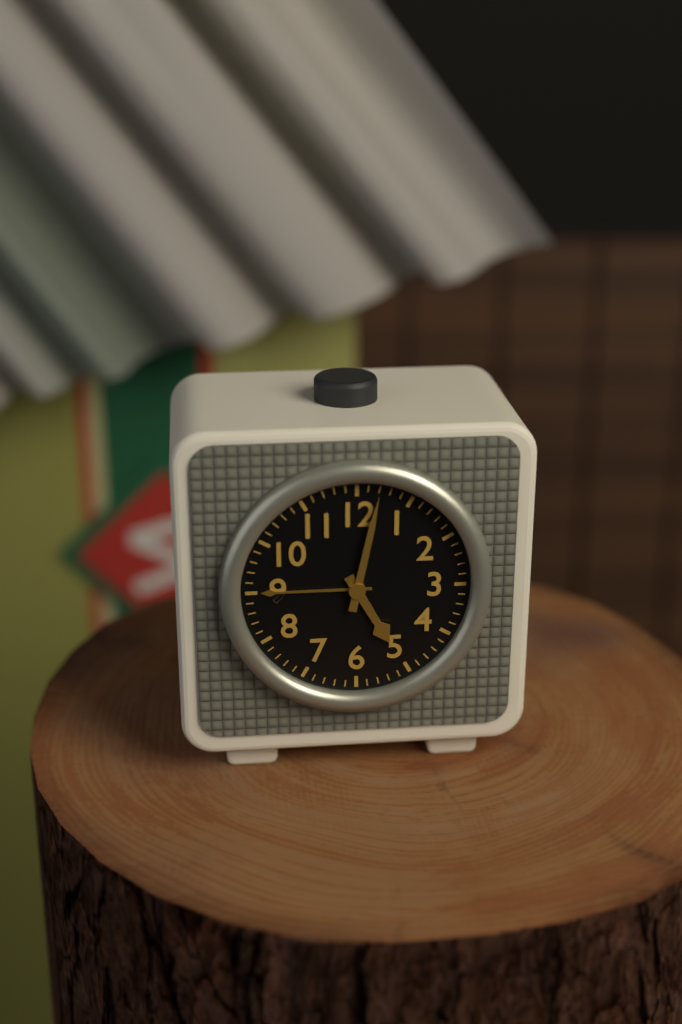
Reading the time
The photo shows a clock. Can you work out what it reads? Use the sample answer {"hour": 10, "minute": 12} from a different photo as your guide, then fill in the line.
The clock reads {"hour": 5, "minute": 2}
